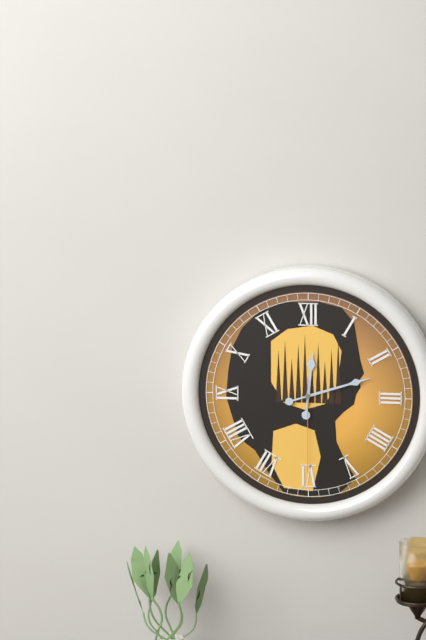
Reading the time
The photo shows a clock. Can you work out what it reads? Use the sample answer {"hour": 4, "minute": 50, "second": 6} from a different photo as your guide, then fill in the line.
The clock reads {"hour": 12, "minute": 12, "second": 30}
